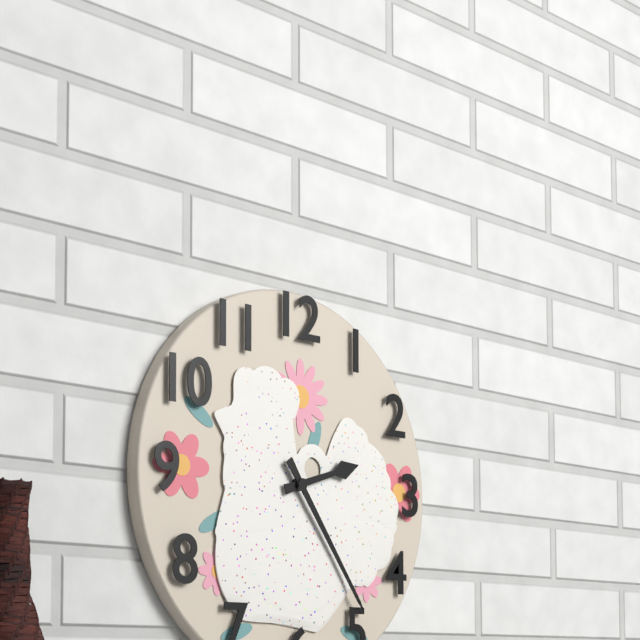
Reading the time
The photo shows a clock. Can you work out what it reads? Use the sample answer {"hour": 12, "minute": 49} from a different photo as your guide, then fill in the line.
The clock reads {"hour": 2, "minute": 24}
